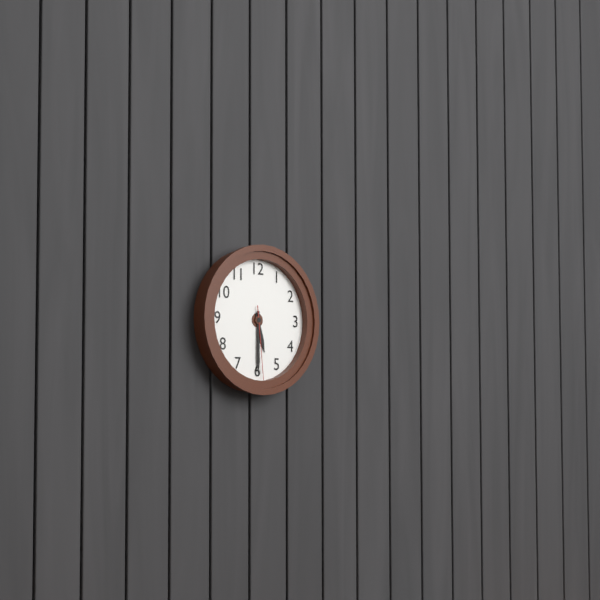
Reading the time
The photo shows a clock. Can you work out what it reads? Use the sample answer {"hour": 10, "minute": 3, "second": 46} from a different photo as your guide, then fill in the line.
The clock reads {"hour": 5, "minute": 30, "second": 29}
